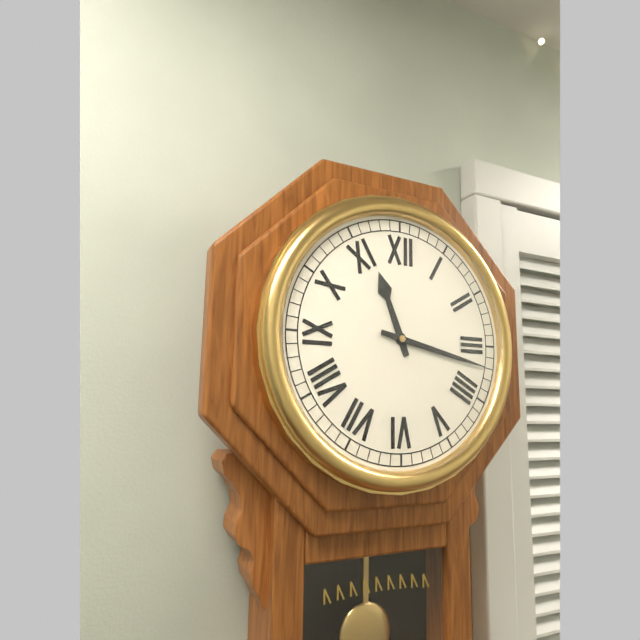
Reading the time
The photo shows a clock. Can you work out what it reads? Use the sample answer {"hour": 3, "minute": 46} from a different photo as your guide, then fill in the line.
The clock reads {"hour": 11, "minute": 17}
